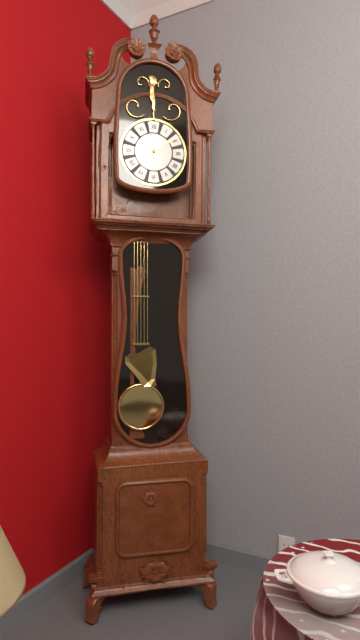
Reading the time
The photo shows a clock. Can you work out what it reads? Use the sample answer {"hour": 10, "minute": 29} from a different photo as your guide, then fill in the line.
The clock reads {"hour": 12, "minute": 9}
